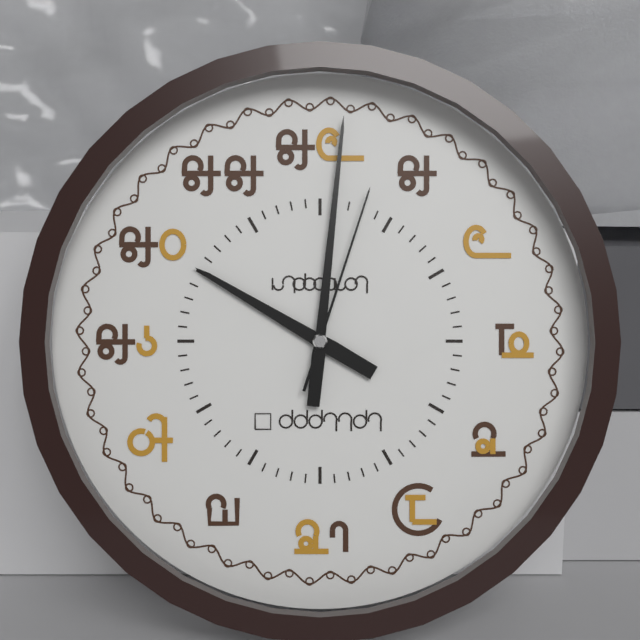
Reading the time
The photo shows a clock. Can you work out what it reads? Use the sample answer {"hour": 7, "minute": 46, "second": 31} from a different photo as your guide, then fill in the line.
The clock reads {"hour": 10, "minute": 1, "second": 3}
